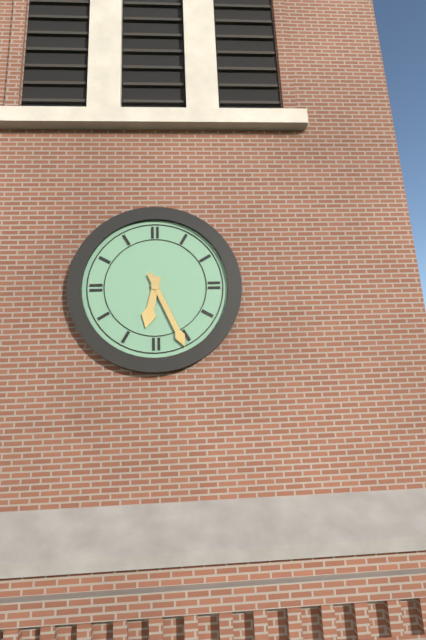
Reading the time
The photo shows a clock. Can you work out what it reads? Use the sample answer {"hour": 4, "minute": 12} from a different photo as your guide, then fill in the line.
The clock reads {"hour": 6, "minute": 26}
